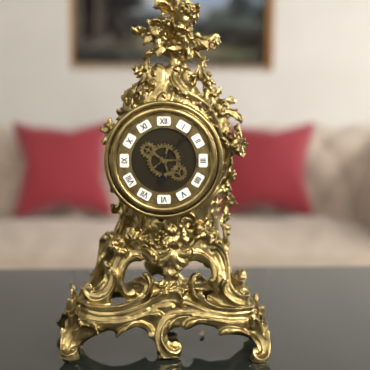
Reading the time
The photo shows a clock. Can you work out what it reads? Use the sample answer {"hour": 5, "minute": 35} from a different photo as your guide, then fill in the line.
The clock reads {"hour": 6, "minute": 7}
